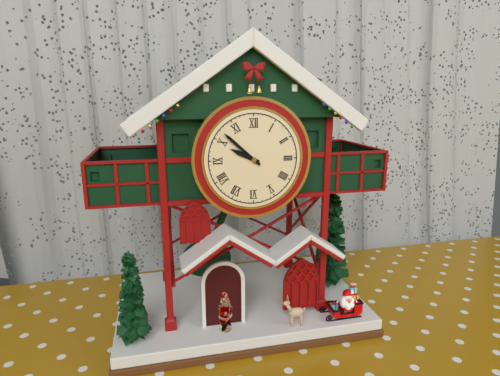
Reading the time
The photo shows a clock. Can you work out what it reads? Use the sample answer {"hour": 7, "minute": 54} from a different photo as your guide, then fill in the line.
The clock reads {"hour": 9, "minute": 52}
